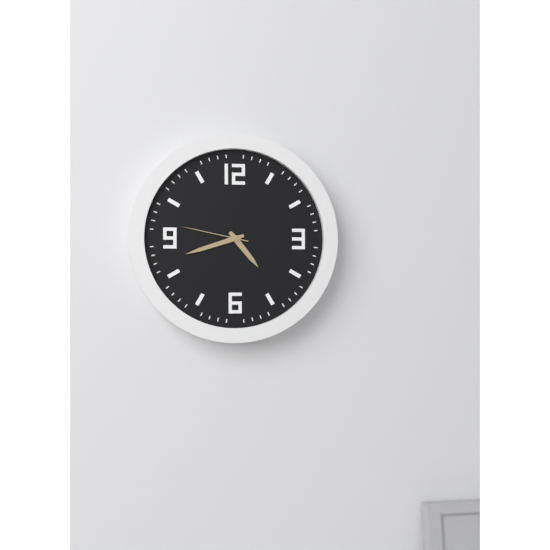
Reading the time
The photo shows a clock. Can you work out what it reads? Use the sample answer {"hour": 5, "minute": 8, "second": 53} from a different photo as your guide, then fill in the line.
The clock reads {"hour": 4, "minute": 42, "second": 47}
